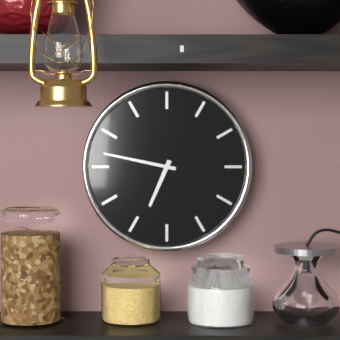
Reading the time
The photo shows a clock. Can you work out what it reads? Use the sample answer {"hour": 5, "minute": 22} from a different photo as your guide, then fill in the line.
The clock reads {"hour": 6, "minute": 47}
